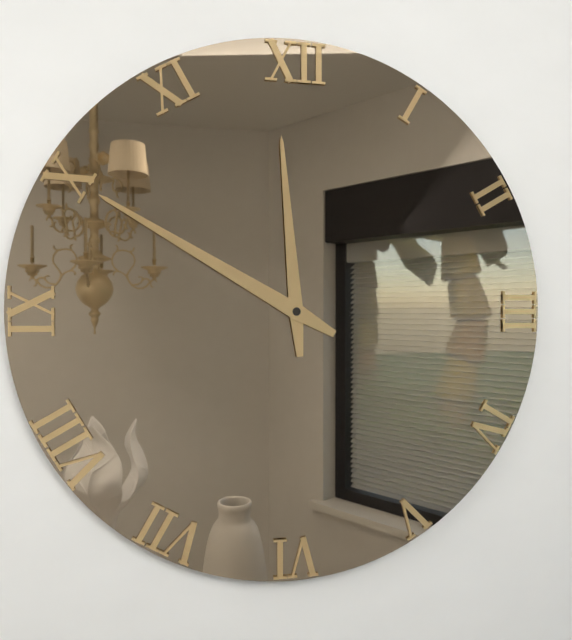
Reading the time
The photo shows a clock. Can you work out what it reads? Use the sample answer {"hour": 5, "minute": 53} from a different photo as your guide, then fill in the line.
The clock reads {"hour": 11, "minute": 50}
